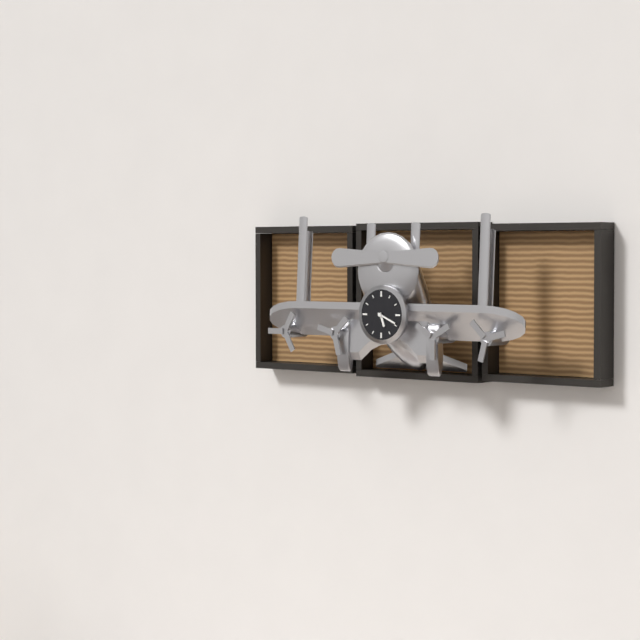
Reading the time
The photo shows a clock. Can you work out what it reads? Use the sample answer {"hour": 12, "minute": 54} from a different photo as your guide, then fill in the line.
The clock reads {"hour": 5, "minute": 19}
